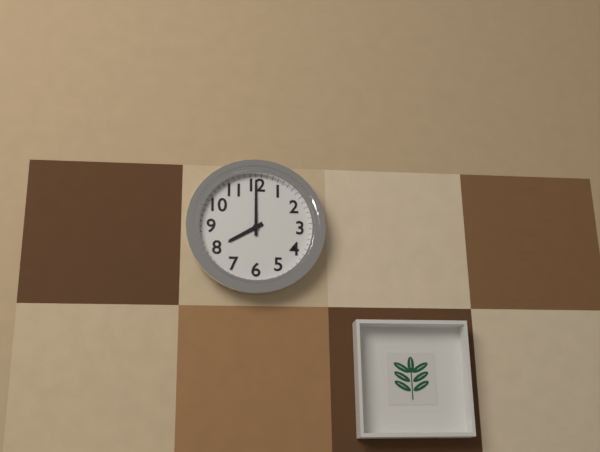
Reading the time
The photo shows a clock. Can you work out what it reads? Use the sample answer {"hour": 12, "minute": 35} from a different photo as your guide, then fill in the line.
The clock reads {"hour": 8, "minute": 0}
